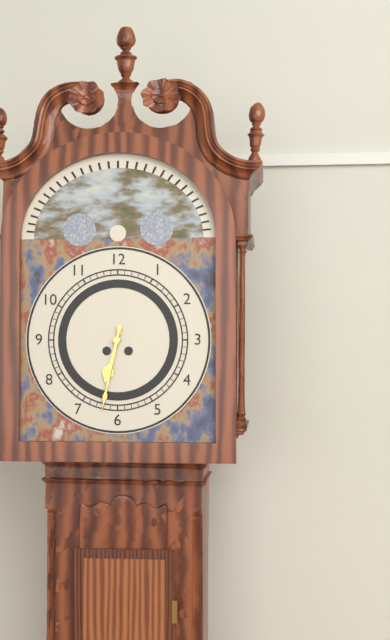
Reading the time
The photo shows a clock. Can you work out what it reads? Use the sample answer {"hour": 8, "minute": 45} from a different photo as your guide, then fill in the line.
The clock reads {"hour": 6, "minute": 32}
